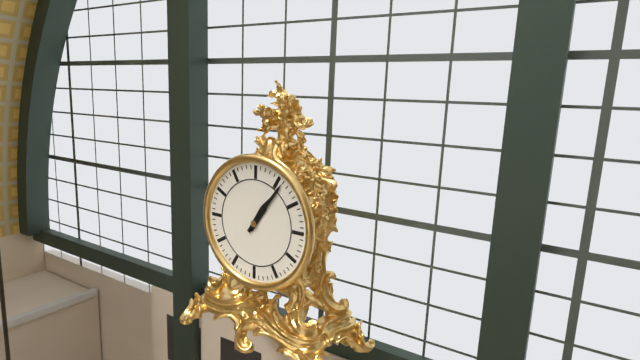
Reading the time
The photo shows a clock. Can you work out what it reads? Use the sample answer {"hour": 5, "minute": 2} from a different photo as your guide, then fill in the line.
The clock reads {"hour": 1, "minute": 6}
